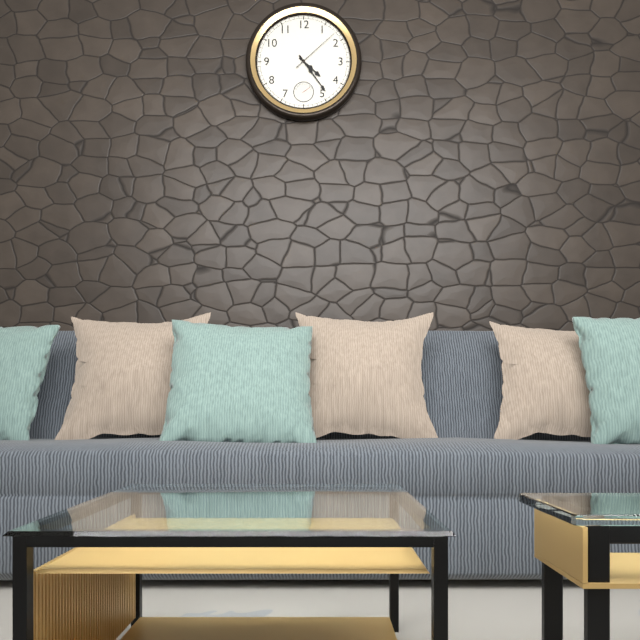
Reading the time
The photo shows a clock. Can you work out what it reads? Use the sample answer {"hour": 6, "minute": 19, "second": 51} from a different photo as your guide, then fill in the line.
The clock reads {"hour": 4, "minute": 24, "second": 8}
